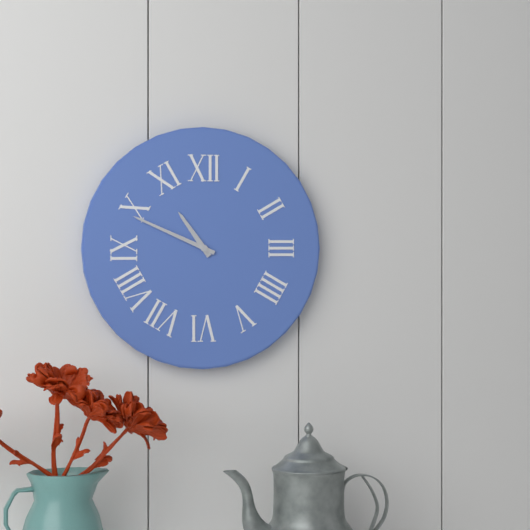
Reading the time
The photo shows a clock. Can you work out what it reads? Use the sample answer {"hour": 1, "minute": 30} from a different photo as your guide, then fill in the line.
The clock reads {"hour": 10, "minute": 49}
